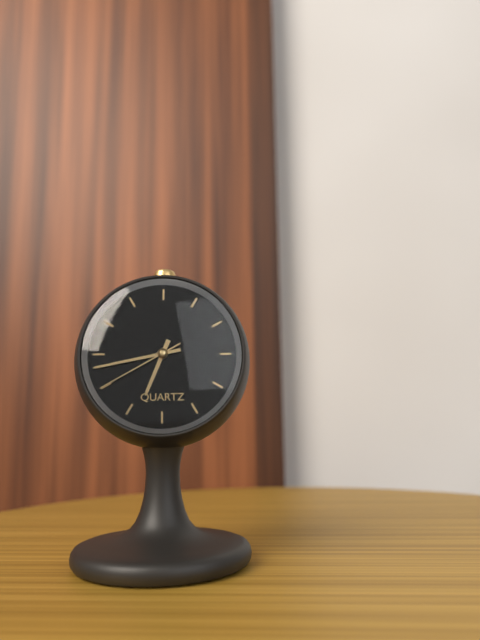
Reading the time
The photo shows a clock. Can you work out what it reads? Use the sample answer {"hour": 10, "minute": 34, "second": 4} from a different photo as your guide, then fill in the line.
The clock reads {"hour": 6, "minute": 43, "second": 40}
